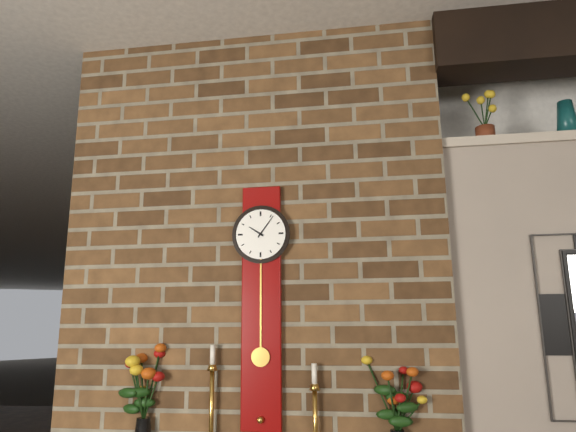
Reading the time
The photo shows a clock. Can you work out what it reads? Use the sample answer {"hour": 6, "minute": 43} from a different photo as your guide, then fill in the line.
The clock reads {"hour": 10, "minute": 6}
